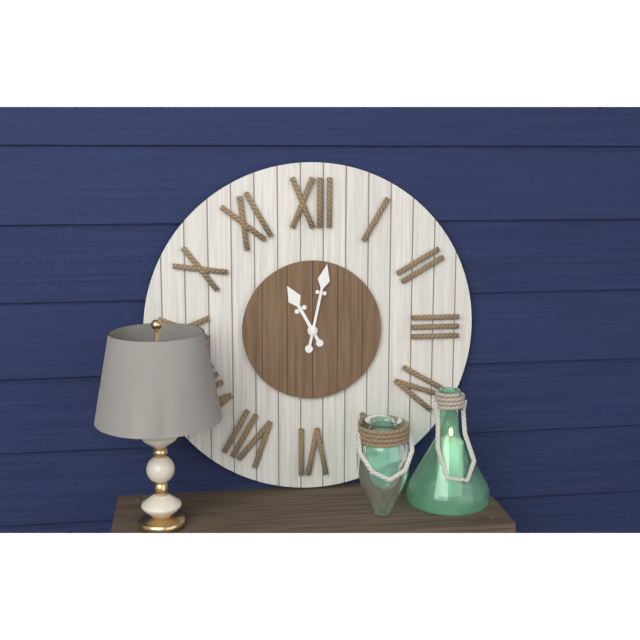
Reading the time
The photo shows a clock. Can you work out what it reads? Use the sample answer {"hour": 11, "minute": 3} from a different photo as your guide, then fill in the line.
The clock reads {"hour": 11, "minute": 2}
